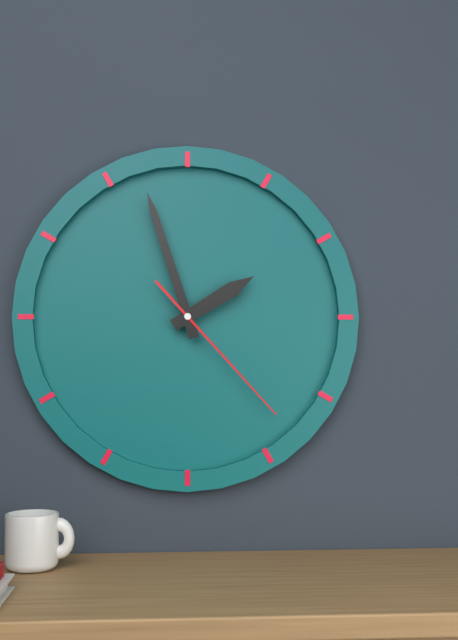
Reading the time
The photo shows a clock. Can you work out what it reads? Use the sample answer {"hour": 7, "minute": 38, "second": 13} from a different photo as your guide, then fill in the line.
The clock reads {"hour": 1, "minute": 57, "second": 23}
